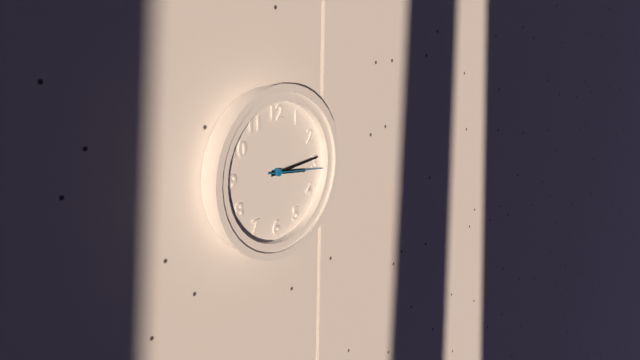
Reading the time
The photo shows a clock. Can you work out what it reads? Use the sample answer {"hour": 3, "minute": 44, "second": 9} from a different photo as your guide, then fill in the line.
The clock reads {"hour": 3, "minute": 14, "second": 16}
